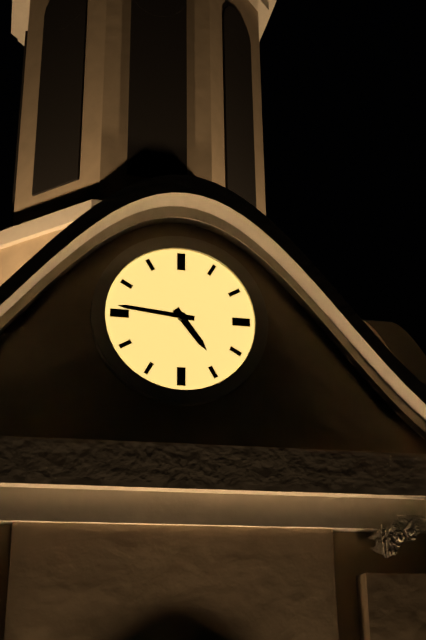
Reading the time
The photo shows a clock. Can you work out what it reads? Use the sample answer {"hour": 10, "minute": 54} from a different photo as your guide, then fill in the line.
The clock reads {"hour": 4, "minute": 46}
